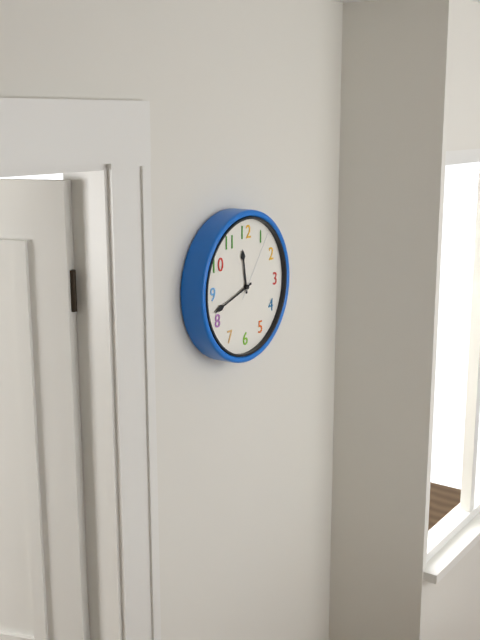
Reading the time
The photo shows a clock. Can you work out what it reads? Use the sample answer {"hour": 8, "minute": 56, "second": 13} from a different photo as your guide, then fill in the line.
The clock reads {"hour": 11, "minute": 42, "second": 6}
